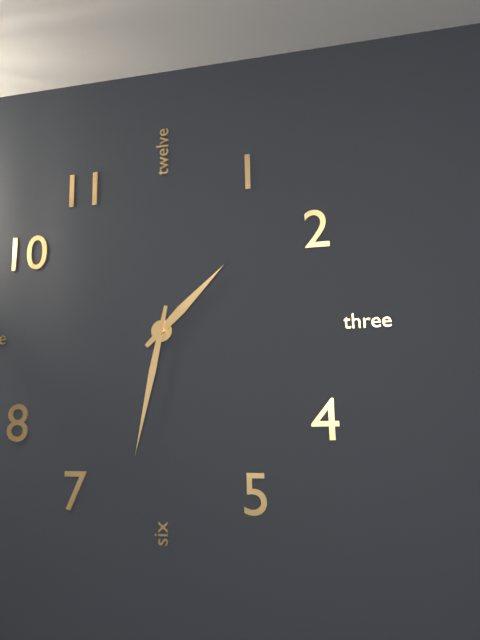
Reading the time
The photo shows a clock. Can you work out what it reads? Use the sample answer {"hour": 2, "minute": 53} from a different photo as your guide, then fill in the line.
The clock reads {"hour": 1, "minute": 32}
